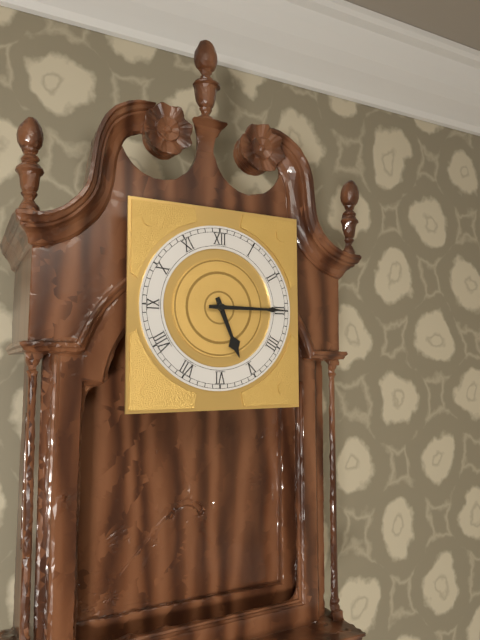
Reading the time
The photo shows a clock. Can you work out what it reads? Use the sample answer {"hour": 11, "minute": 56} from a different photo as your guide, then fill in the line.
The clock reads {"hour": 5, "minute": 15}
